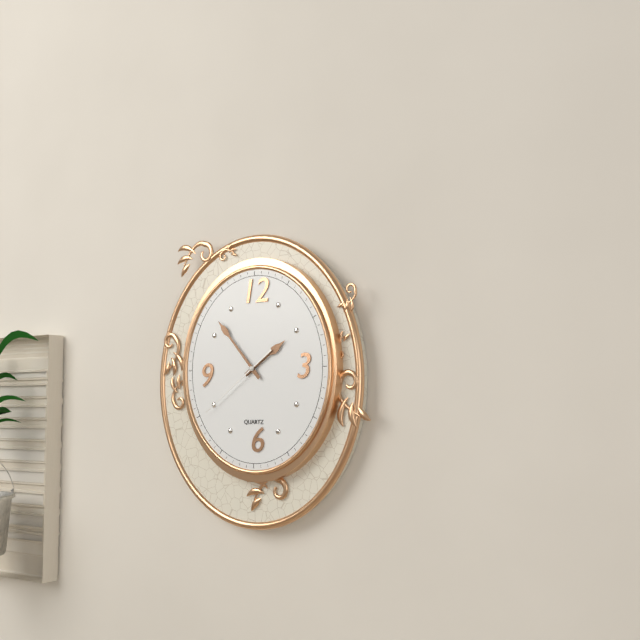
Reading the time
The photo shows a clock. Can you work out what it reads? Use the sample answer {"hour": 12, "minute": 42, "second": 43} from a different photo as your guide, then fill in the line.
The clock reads {"hour": 1, "minute": 53, "second": 39}
